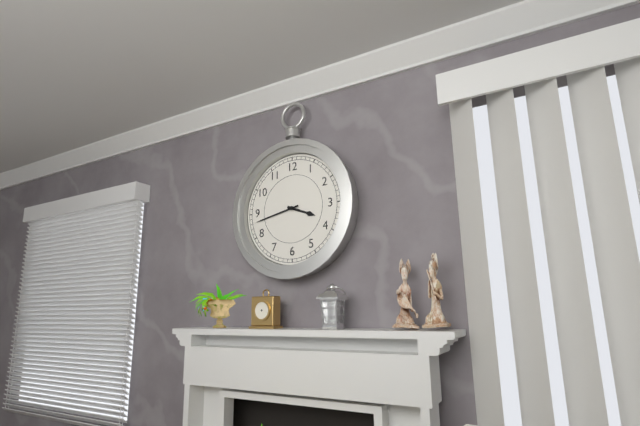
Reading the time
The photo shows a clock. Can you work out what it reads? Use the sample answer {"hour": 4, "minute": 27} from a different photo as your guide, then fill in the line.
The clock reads {"hour": 3, "minute": 43}
